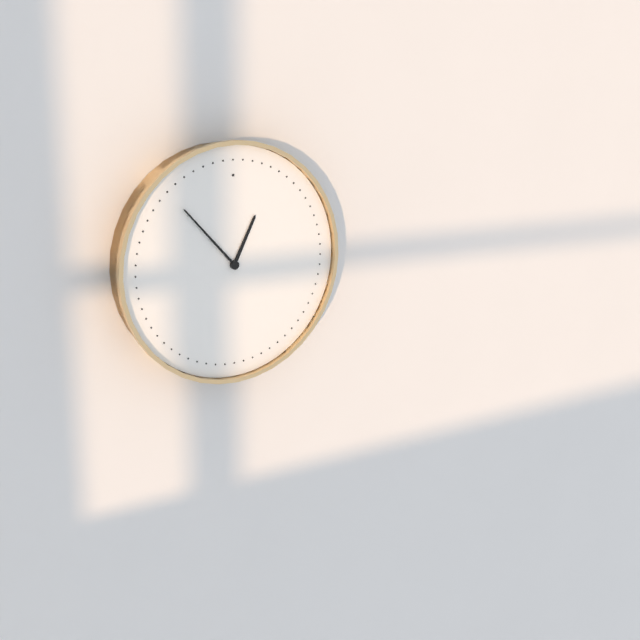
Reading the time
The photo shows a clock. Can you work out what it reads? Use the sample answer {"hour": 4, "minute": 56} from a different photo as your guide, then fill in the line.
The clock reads {"hour": 12, "minute": 53}
